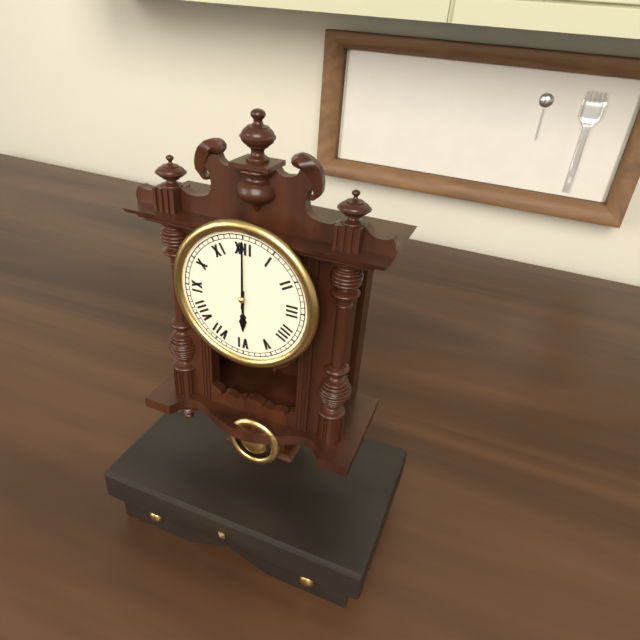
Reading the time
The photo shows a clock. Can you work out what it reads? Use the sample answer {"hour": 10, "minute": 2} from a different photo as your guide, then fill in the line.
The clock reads {"hour": 6, "minute": 0}
